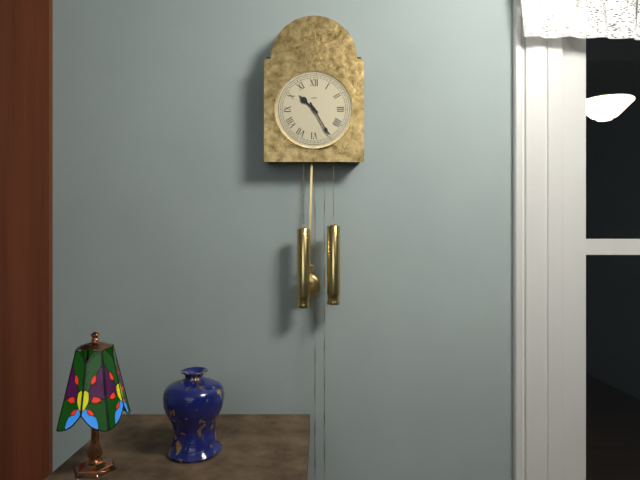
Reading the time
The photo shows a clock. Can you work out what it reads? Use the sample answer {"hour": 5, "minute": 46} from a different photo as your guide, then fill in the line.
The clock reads {"hour": 10, "minute": 25}
